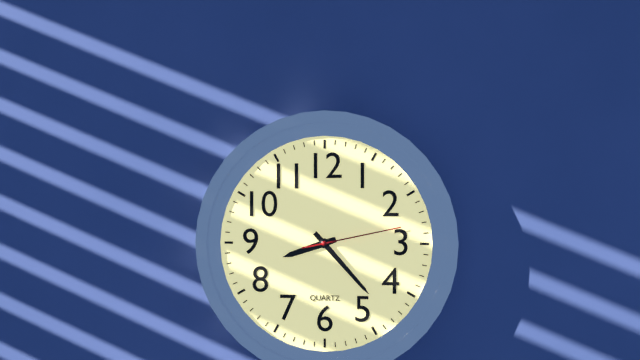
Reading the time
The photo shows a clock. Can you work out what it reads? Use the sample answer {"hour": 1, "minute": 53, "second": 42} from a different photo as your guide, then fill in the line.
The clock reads {"hour": 8, "minute": 23, "second": 13}
